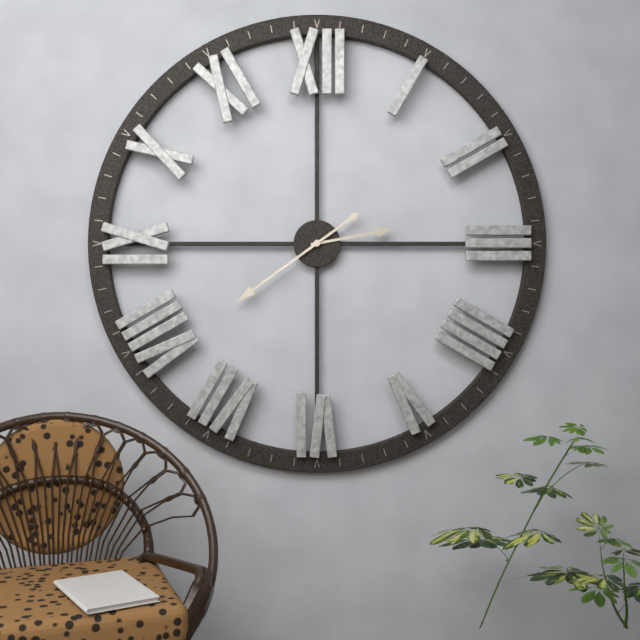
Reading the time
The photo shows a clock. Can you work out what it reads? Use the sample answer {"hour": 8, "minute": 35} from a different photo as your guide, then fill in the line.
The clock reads {"hour": 2, "minute": 39}
